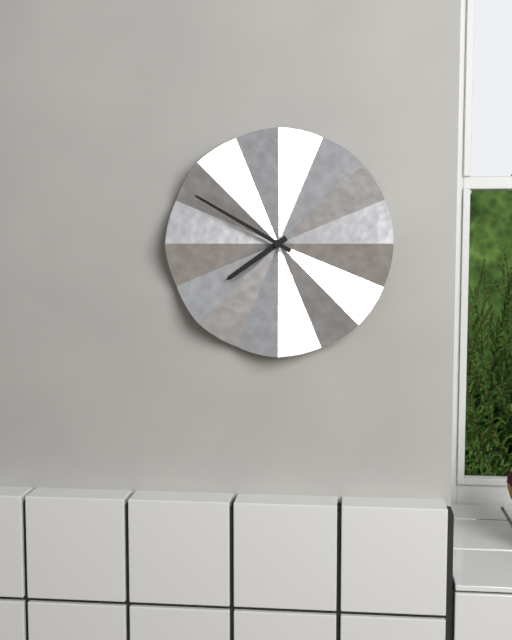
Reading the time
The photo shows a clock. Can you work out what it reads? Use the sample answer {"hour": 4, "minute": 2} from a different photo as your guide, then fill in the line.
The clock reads {"hour": 7, "minute": 50}
